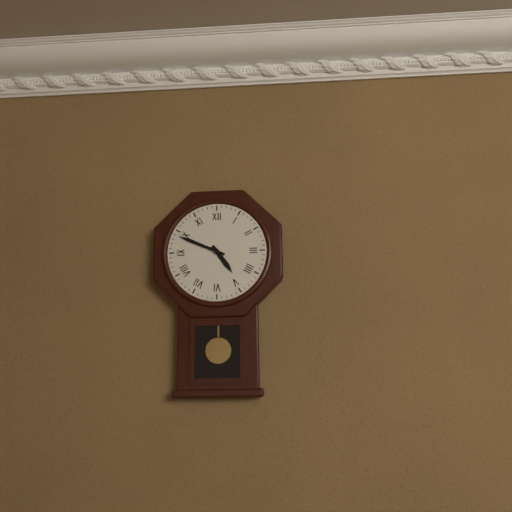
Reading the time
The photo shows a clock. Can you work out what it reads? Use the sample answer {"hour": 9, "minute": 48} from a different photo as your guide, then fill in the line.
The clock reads {"hour": 4, "minute": 49}
